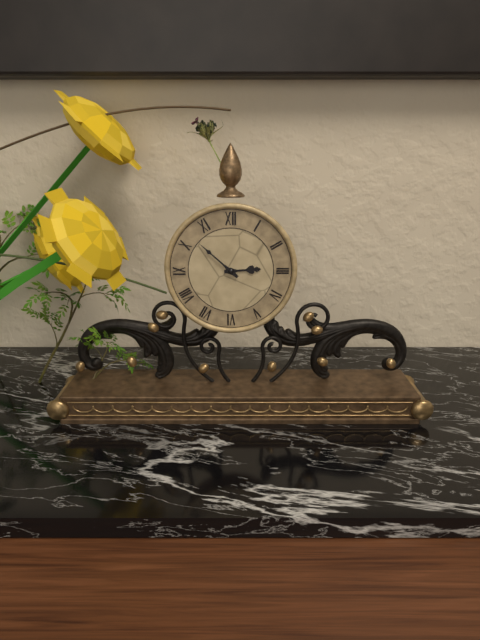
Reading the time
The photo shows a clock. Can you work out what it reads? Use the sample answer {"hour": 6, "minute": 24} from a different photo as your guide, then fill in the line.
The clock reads {"hour": 2, "minute": 52}
